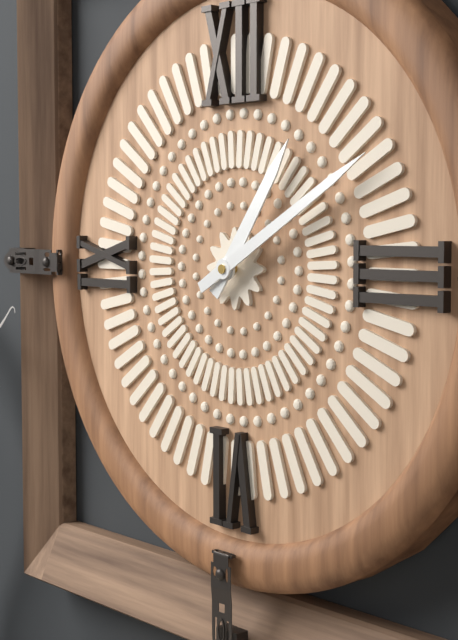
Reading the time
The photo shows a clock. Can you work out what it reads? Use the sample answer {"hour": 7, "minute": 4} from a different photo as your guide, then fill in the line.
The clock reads {"hour": 1, "minute": 10}
